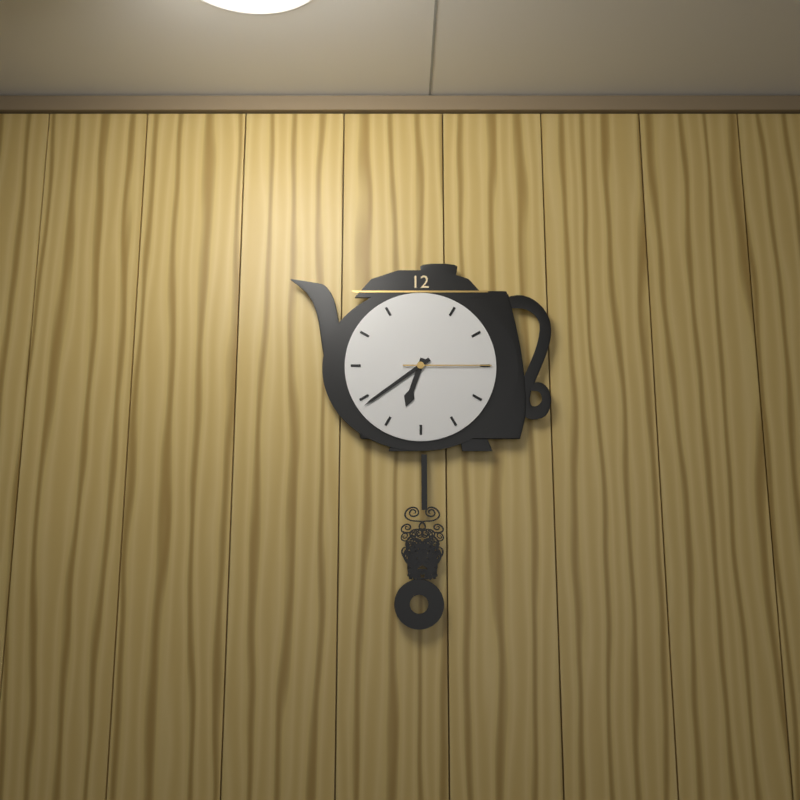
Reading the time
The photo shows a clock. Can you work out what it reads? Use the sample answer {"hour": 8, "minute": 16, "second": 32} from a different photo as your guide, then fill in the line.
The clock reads {"hour": 6, "minute": 39, "second": 15}
